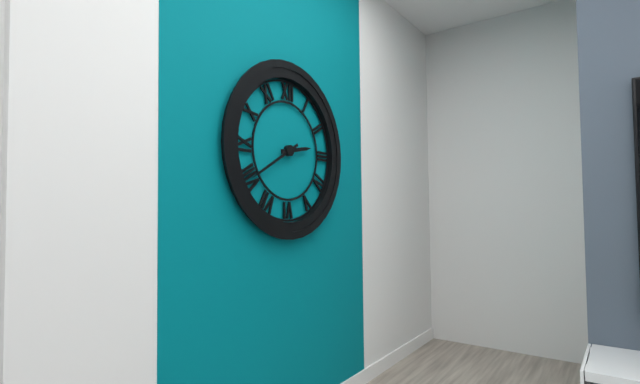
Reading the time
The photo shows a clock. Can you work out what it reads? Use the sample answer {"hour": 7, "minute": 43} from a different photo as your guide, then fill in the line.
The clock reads {"hour": 2, "minute": 40}
